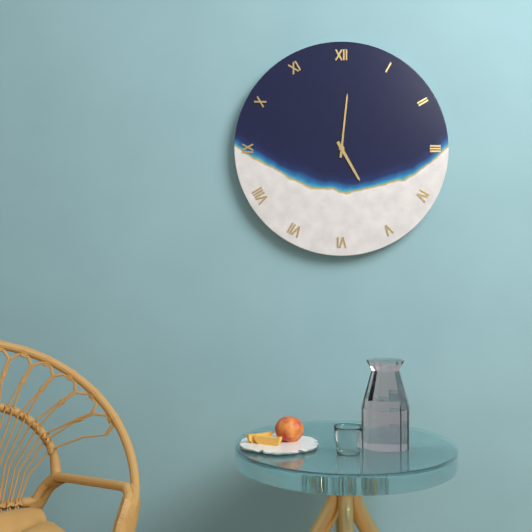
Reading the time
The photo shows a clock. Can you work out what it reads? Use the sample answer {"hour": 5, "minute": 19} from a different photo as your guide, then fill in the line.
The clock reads {"hour": 5, "minute": 1}
